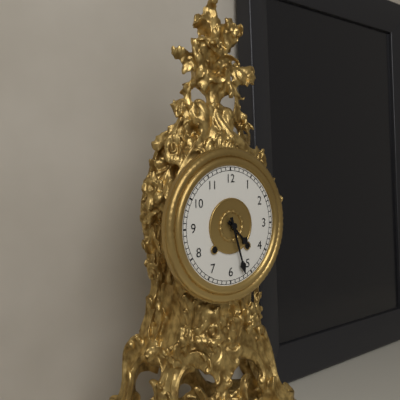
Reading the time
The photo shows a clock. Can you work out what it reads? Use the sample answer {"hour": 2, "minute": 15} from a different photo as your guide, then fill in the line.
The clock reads {"hour": 4, "minute": 27}
